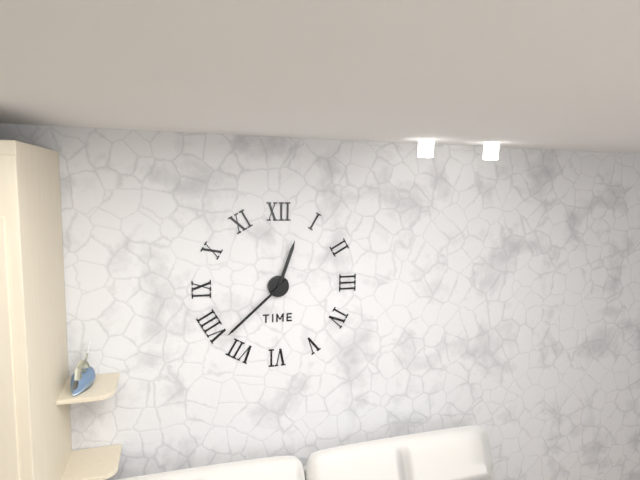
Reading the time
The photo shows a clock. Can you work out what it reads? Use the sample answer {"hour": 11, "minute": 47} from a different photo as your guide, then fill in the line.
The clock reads {"hour": 12, "minute": 38}
